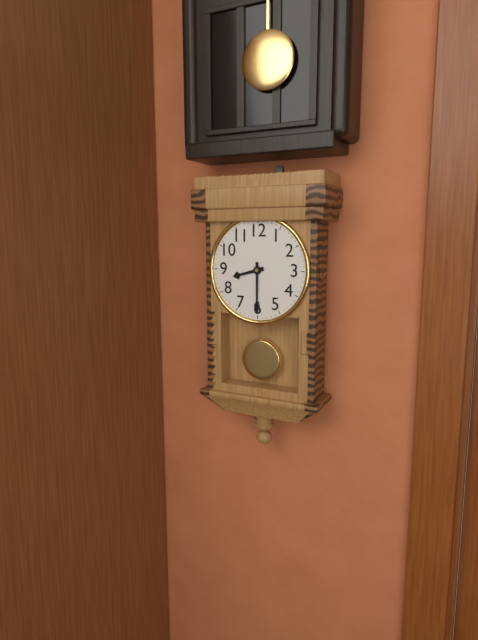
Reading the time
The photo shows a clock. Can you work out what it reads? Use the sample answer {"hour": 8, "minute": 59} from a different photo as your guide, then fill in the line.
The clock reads {"hour": 8, "minute": 30}
